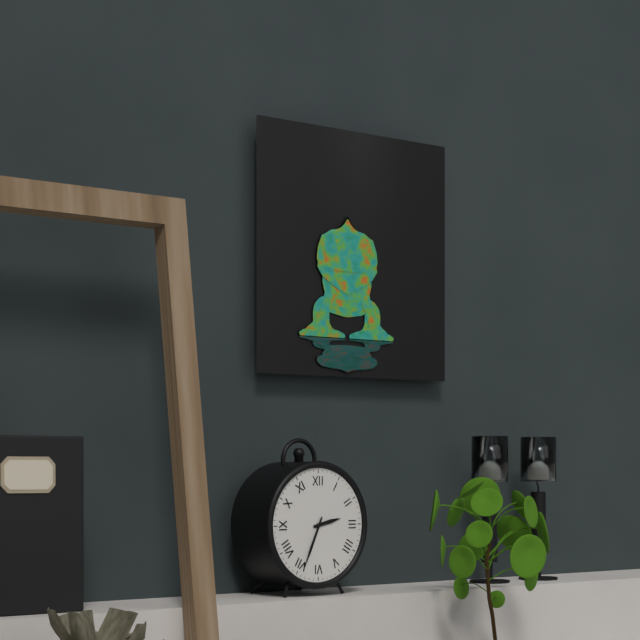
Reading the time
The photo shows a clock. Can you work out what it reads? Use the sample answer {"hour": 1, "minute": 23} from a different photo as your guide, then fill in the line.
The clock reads {"hour": 2, "minute": 34}
